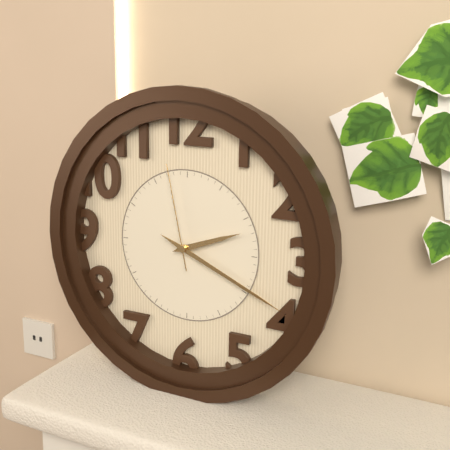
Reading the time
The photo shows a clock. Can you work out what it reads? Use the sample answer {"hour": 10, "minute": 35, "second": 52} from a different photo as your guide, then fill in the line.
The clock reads {"hour": 2, "minute": 19, "second": 58}
